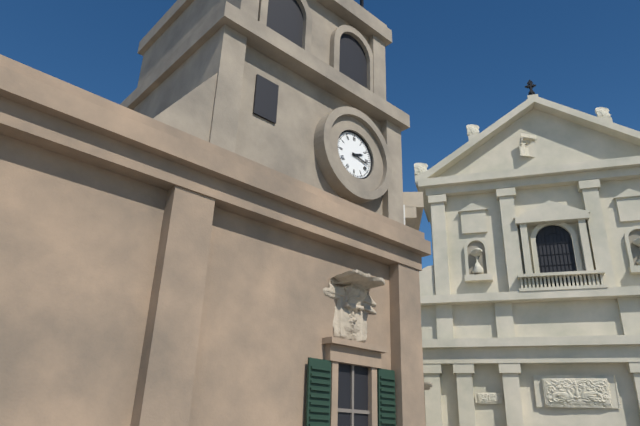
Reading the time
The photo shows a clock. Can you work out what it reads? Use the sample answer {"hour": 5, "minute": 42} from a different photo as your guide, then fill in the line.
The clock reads {"hour": 2, "minute": 17}
